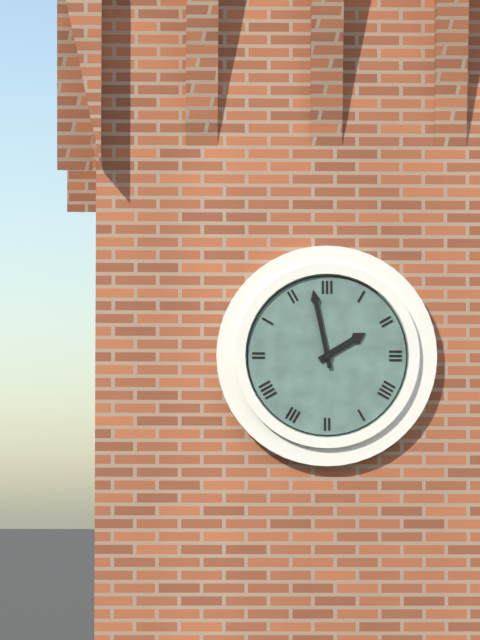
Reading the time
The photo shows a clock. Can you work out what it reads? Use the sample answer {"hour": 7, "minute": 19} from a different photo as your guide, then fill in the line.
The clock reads {"hour": 1, "minute": 58}
